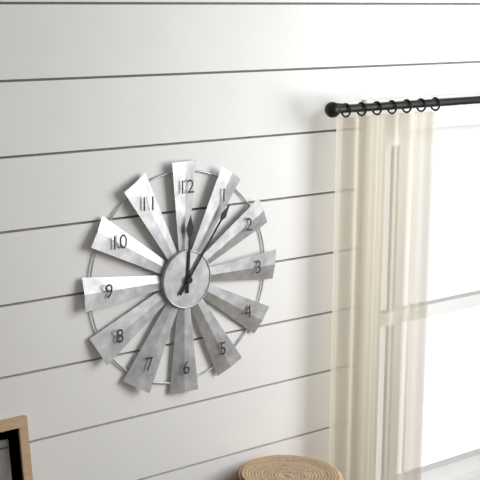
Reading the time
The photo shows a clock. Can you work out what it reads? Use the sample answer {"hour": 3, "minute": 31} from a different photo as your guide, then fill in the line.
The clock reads {"hour": 12, "minute": 6}
